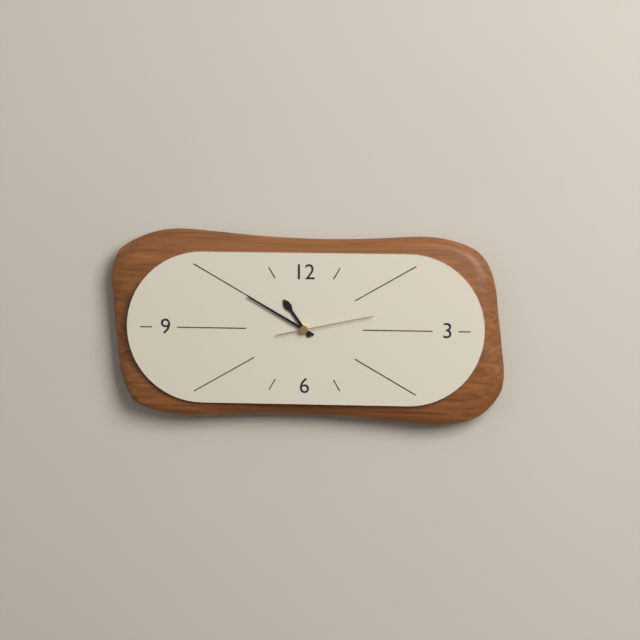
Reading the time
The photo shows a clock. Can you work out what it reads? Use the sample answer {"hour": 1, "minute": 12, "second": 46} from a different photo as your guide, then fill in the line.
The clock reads {"hour": 10, "minute": 50, "second": 13}
